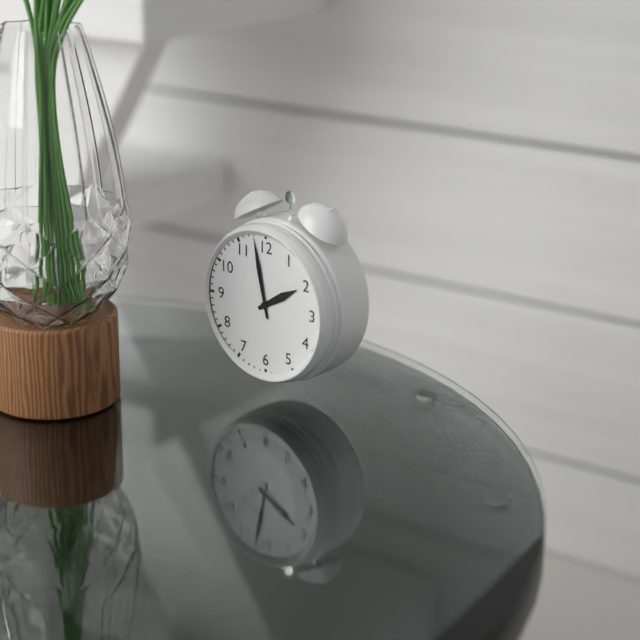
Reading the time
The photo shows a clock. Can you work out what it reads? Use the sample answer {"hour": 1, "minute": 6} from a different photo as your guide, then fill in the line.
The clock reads {"hour": 1, "minute": 58}
